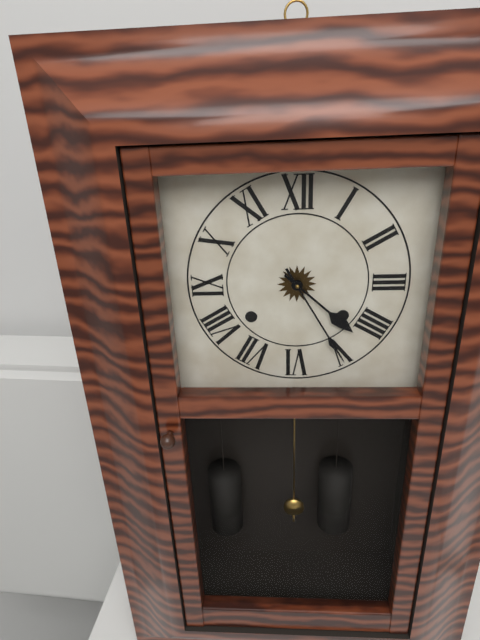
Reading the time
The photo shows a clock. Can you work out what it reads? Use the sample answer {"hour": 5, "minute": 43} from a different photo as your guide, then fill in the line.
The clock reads {"hour": 4, "minute": 25}
